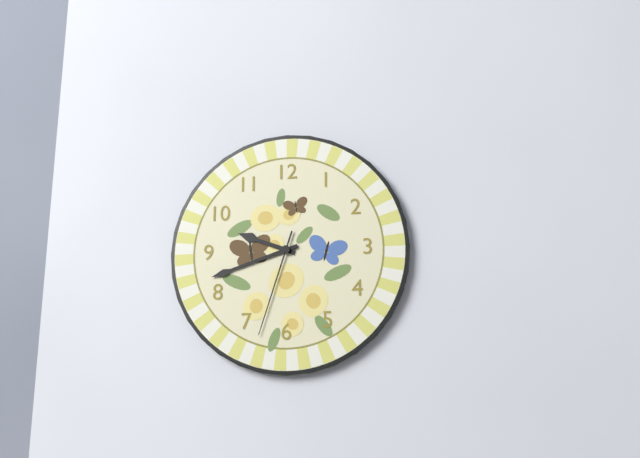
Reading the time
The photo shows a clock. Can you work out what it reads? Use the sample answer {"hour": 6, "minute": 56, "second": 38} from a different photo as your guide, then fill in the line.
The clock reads {"hour": 9, "minute": 42, "second": 33}
